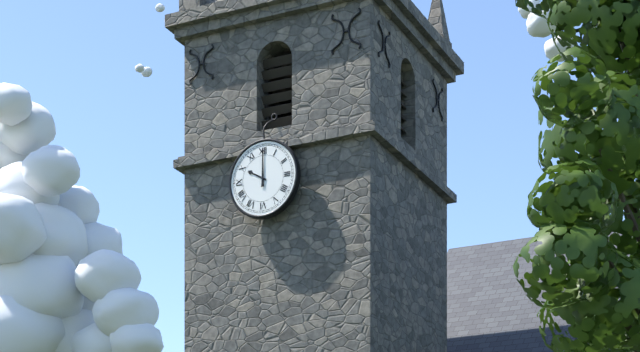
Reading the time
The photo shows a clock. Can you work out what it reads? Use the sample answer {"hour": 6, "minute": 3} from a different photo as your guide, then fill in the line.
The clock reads {"hour": 10, "minute": 0}
